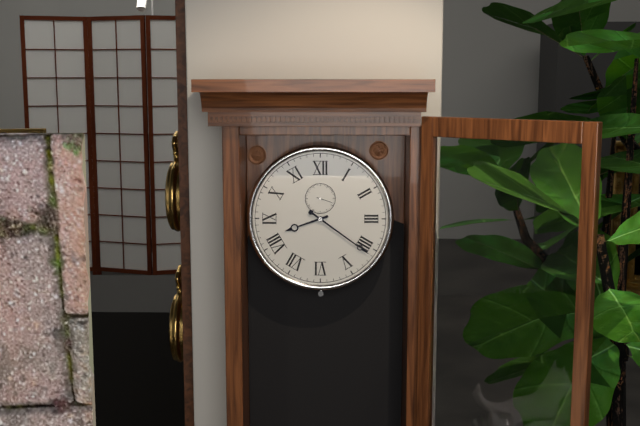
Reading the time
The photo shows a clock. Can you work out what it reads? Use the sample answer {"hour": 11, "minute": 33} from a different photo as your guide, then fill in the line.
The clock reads {"hour": 8, "minute": 21}
